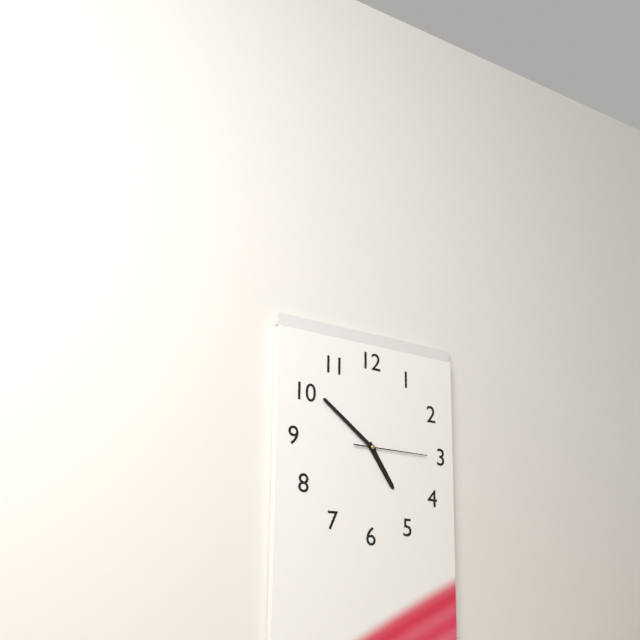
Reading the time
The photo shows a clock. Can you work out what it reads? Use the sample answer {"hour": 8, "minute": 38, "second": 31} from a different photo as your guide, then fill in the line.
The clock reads {"hour": 4, "minute": 51, "second": 15}
